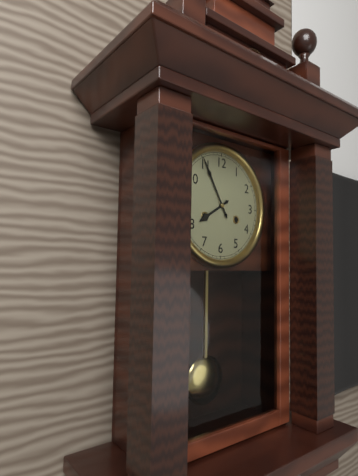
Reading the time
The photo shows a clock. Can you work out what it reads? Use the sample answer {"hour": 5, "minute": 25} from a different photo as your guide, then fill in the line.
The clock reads {"hour": 7, "minute": 55}
